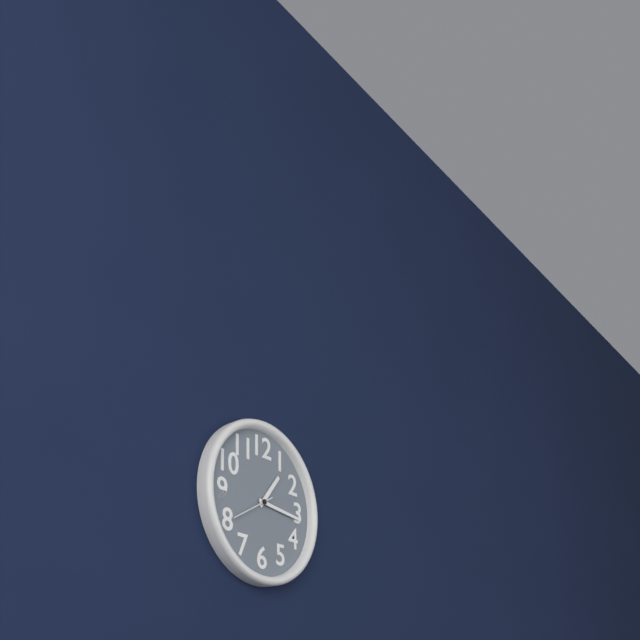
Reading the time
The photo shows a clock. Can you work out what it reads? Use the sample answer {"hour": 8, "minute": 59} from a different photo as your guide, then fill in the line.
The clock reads {"hour": 1, "minute": 16}
